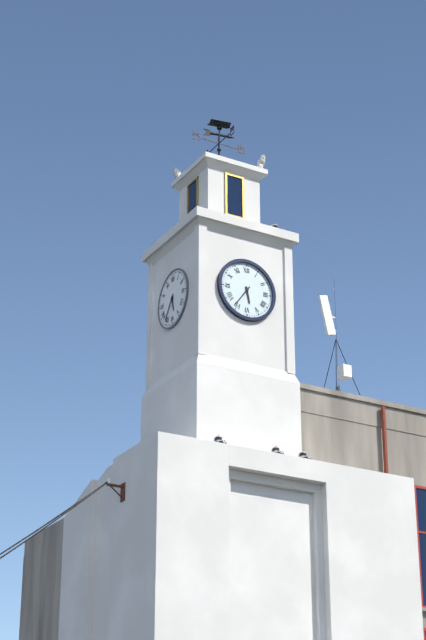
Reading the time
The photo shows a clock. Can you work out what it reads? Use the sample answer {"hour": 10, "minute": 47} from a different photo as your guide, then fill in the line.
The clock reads {"hour": 5, "minute": 36}
